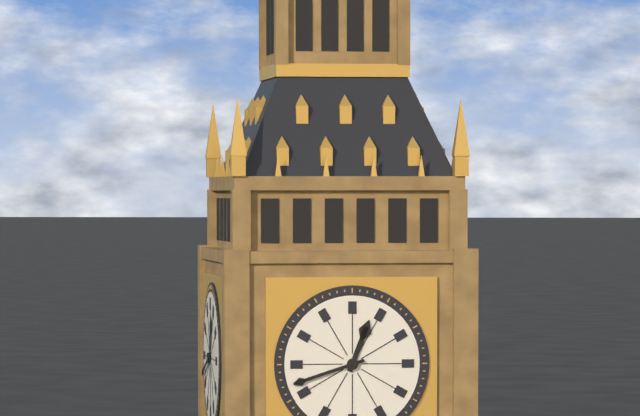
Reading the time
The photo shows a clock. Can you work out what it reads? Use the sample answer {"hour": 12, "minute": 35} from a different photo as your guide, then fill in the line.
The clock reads {"hour": 12, "minute": 42}
